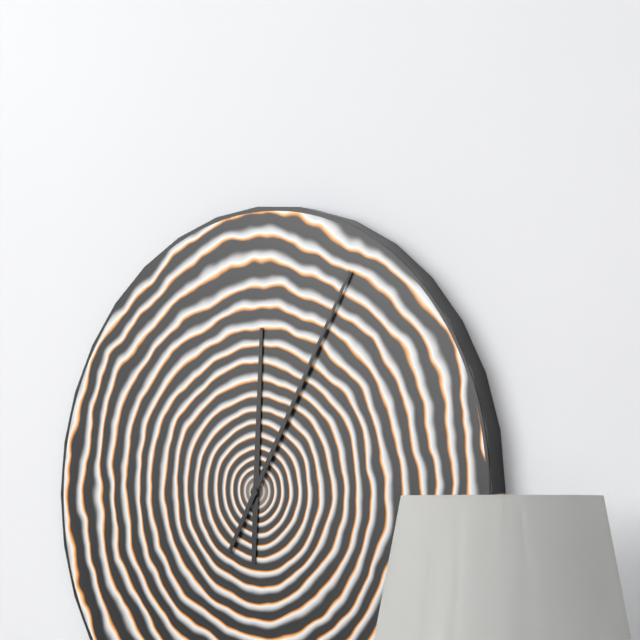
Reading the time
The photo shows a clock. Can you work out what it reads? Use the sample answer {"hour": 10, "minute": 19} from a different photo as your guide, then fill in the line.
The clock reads {"hour": 12, "minute": 5}
